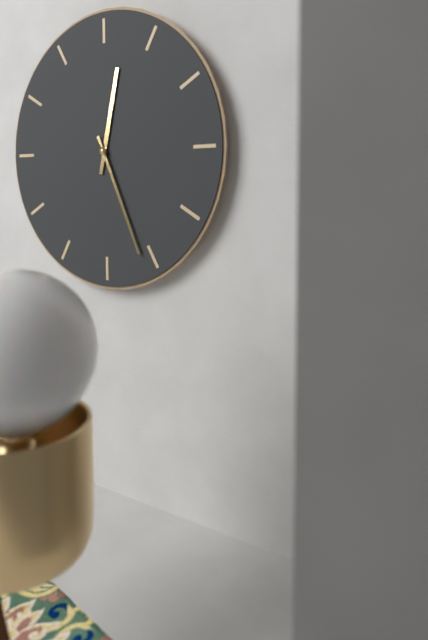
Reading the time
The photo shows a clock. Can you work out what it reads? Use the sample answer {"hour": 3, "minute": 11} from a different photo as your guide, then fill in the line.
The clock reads {"hour": 12, "minute": 26}
